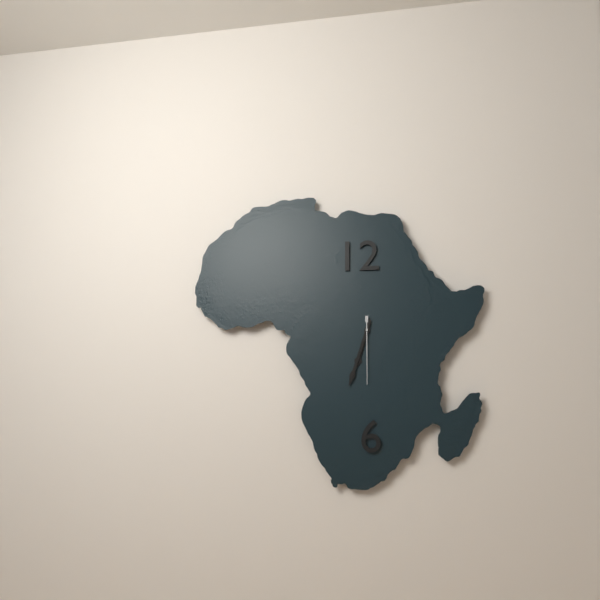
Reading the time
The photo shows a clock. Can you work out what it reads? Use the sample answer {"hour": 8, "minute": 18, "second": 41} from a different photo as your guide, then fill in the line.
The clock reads {"hour": 6, "minute": 33, "second": 30}
